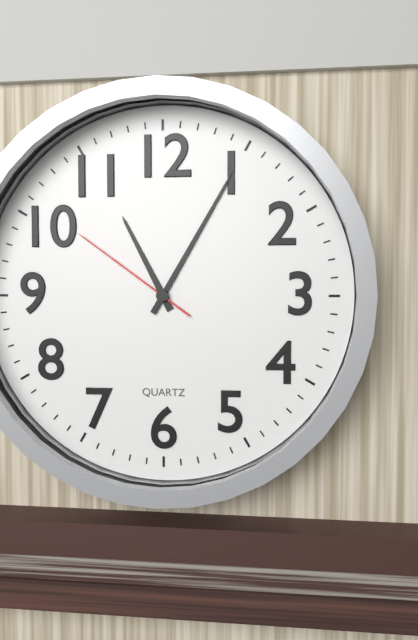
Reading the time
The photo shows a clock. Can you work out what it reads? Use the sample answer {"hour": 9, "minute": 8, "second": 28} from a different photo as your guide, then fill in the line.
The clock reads {"hour": 11, "minute": 5, "second": 51}
